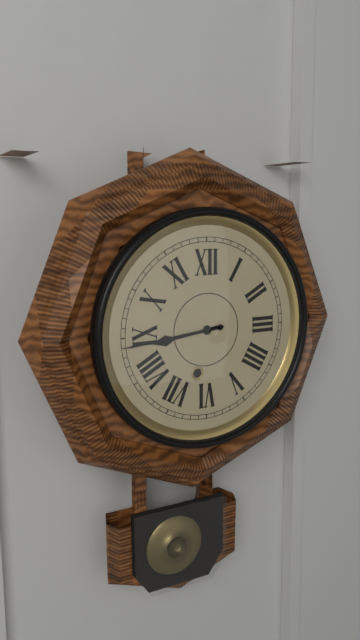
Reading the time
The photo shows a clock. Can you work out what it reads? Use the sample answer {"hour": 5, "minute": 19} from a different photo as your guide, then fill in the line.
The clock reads {"hour": 8, "minute": 44}
